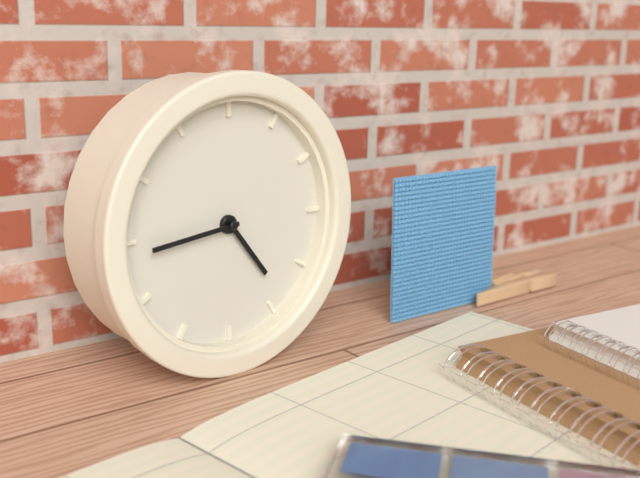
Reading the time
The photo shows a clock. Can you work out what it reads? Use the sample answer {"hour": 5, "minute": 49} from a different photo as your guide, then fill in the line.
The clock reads {"hour": 4, "minute": 44}
